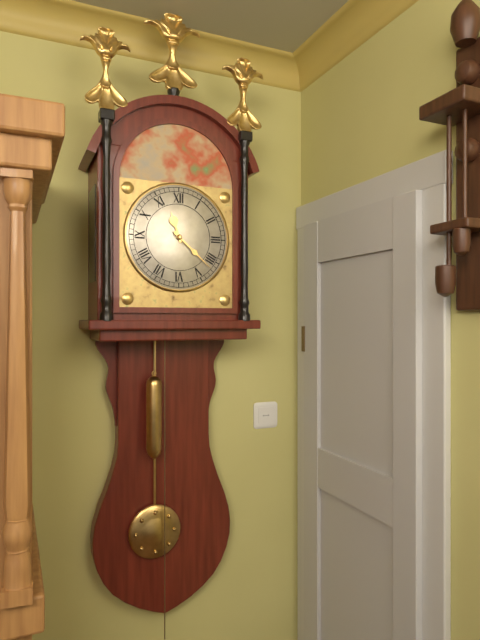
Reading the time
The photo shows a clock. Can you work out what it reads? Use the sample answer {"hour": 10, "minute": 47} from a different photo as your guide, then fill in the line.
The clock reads {"hour": 11, "minute": 22}
